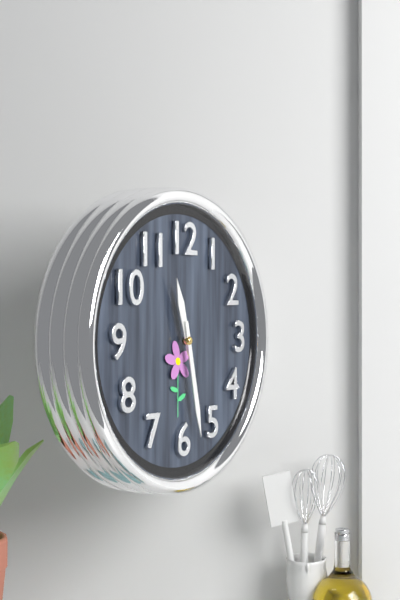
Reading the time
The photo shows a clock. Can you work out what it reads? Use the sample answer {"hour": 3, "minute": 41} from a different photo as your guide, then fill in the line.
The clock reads {"hour": 11, "minute": 28}
